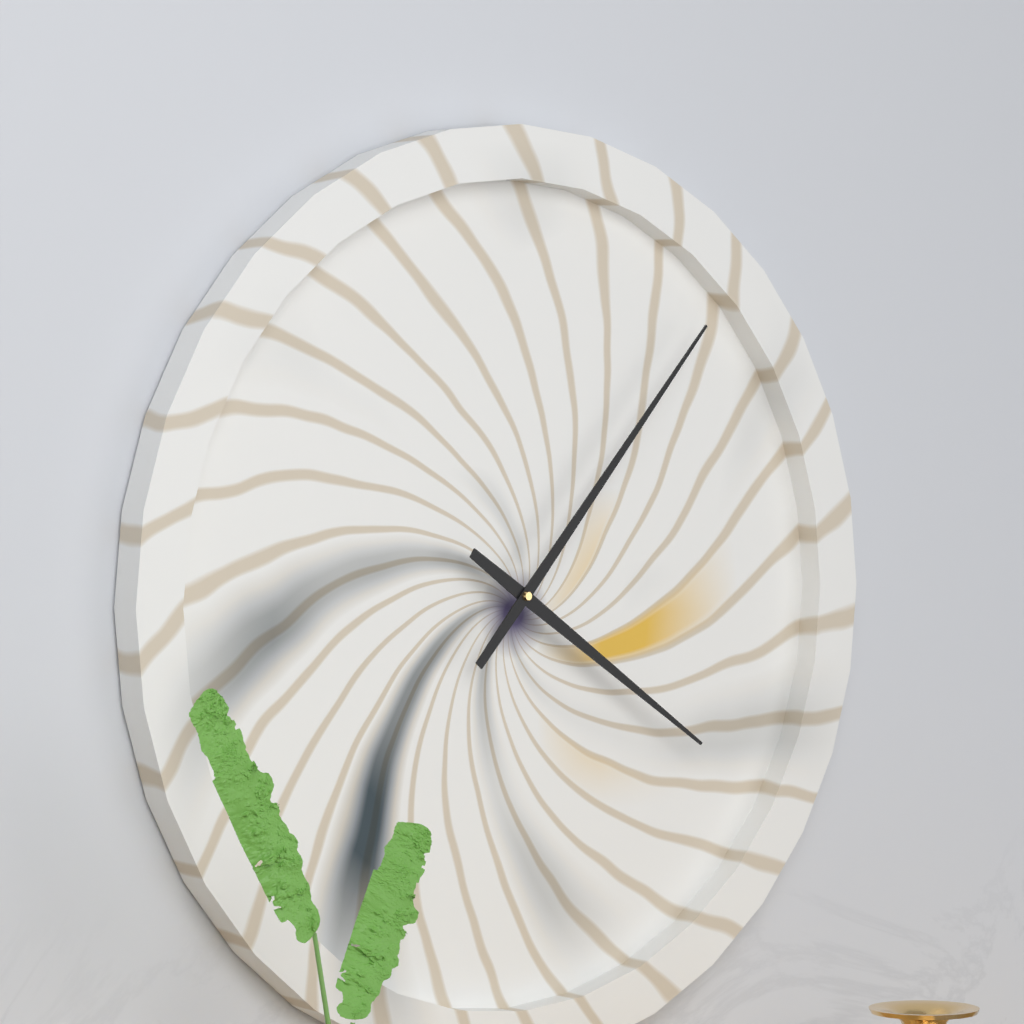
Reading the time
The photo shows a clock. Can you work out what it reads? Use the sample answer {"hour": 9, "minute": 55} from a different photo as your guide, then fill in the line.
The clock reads {"hour": 4, "minute": 7}
